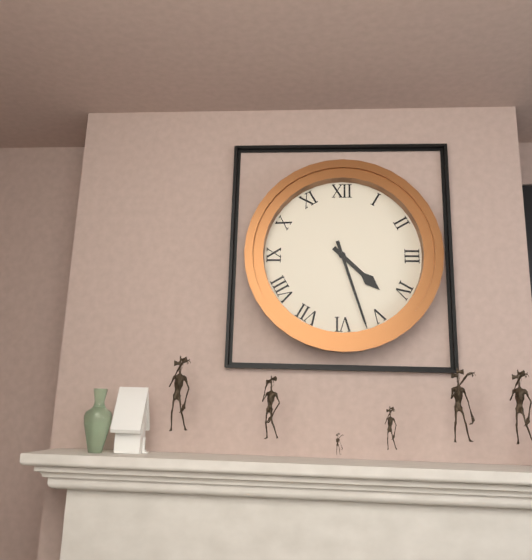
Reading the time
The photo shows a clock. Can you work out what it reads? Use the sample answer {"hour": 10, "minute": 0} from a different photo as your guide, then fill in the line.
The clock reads {"hour": 4, "minute": 27}
